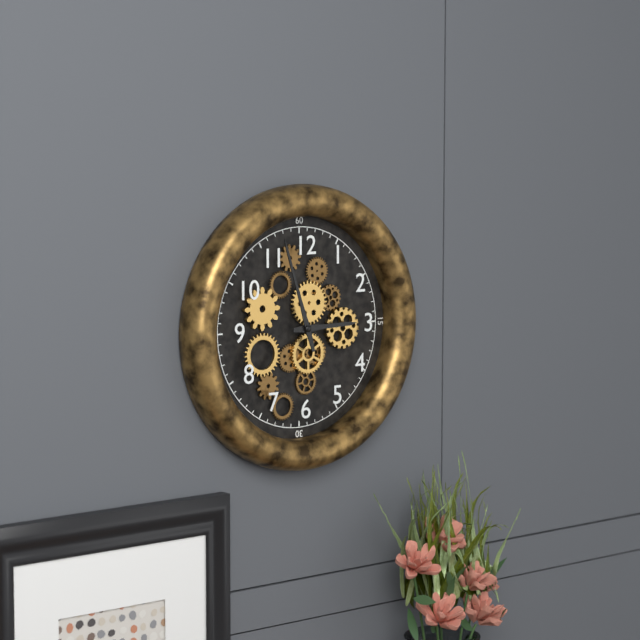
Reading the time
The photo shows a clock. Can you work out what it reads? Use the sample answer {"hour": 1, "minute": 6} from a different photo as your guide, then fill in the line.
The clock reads {"hour": 2, "minute": 57}
